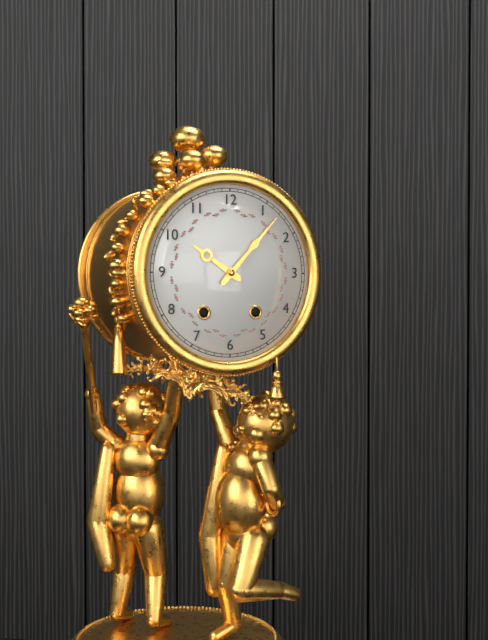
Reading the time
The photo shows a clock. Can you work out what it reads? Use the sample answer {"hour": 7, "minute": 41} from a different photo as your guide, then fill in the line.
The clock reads {"hour": 10, "minute": 7}
